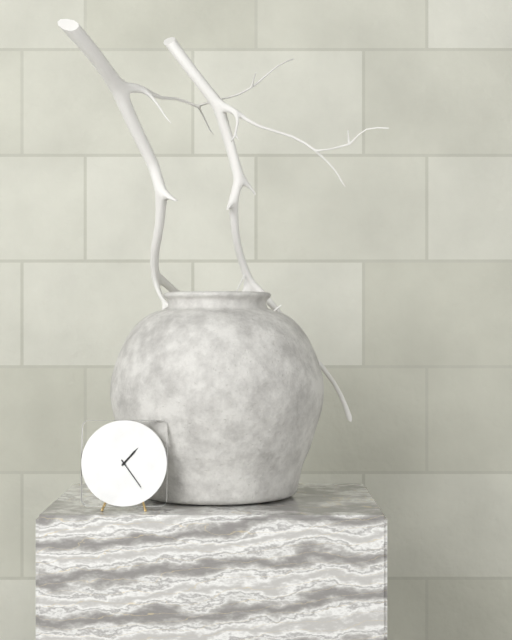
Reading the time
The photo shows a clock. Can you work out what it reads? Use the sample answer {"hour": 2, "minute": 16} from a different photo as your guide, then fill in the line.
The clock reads {"hour": 1, "minute": 24}
